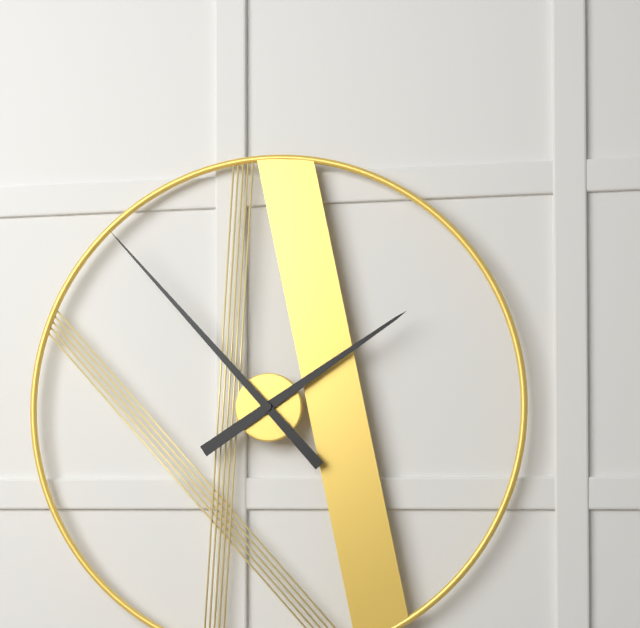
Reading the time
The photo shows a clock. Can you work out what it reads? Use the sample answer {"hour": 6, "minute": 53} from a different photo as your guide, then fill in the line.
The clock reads {"hour": 1, "minute": 53}
